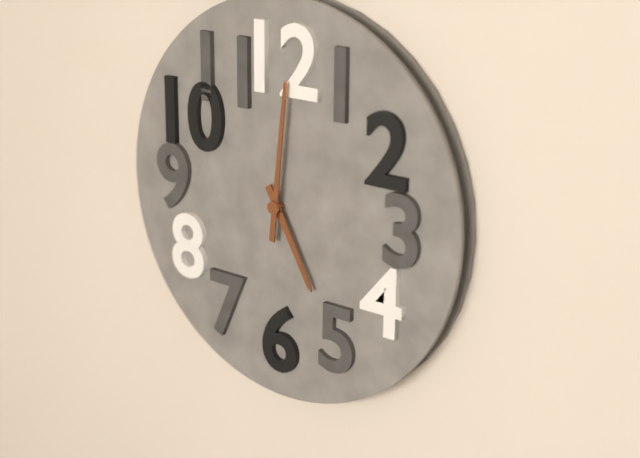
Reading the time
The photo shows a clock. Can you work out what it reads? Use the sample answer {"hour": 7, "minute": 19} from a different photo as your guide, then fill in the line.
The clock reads {"hour": 5, "minute": 1}
